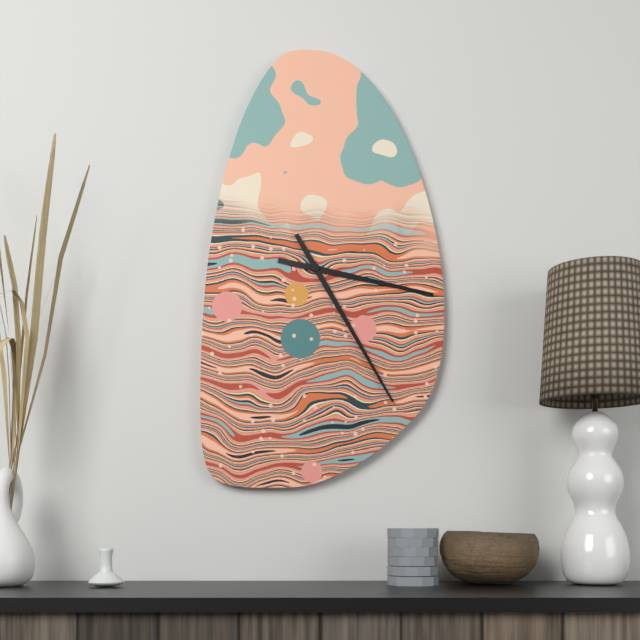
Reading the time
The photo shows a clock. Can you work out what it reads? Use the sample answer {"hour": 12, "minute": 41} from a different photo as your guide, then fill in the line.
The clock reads {"hour": 3, "minute": 25}
